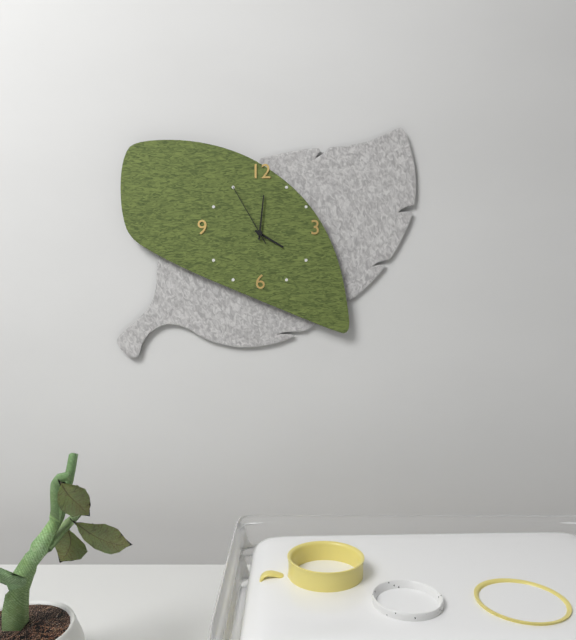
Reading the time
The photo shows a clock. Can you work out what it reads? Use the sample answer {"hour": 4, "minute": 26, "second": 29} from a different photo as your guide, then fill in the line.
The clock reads {"hour": 4, "minute": 1, "second": 55}
